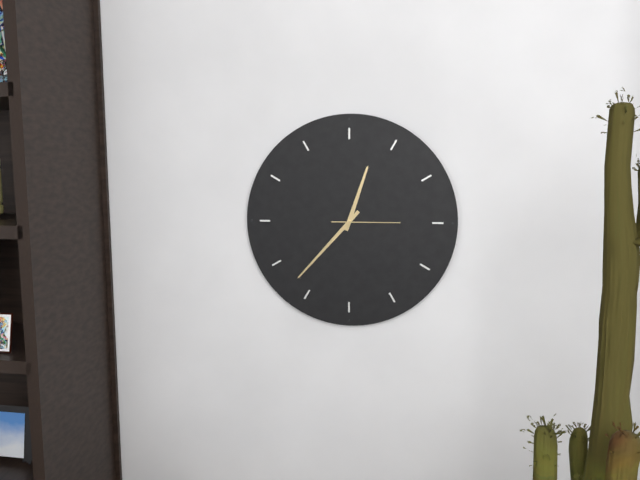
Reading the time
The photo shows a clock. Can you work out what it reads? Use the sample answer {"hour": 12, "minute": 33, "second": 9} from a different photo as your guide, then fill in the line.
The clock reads {"hour": 12, "minute": 37, "second": 15}
